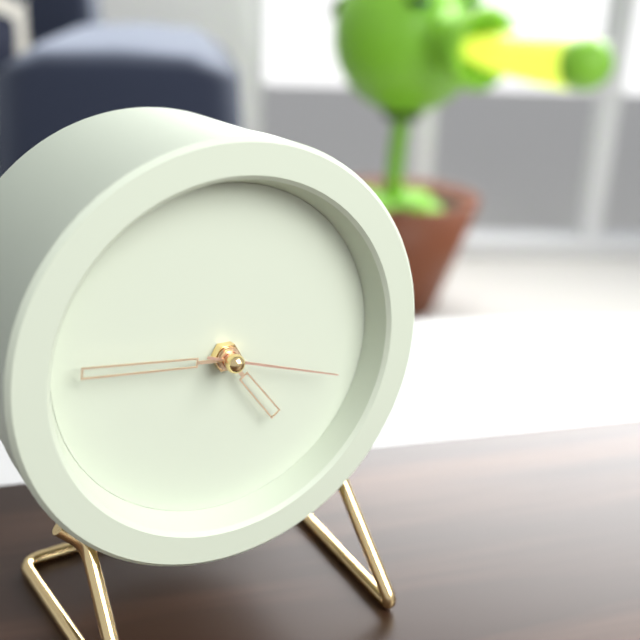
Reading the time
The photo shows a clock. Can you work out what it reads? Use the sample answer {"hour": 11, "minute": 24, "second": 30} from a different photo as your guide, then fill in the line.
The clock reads {"hour": 4, "minute": 46, "second": 18}
